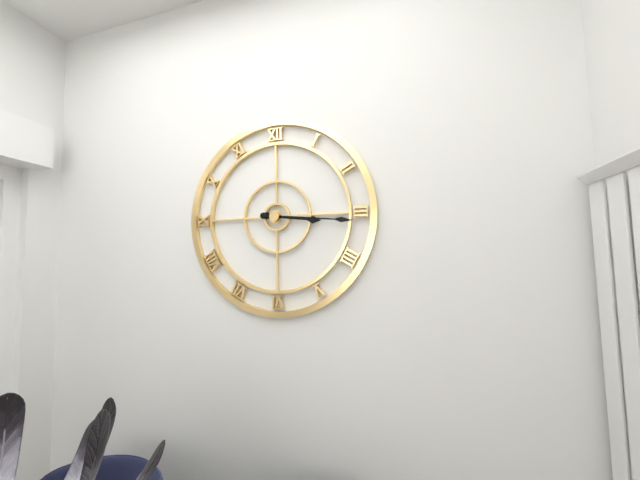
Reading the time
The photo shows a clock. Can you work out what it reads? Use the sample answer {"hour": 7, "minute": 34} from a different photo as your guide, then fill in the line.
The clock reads {"hour": 3, "minute": 16}
